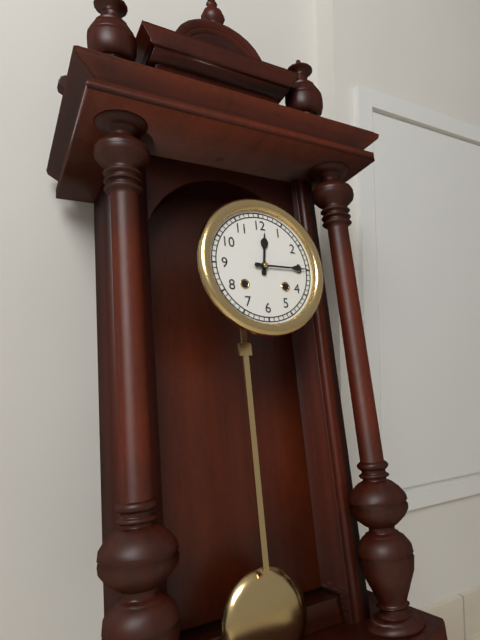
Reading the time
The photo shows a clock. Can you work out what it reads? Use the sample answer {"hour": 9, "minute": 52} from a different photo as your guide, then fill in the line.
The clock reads {"hour": 12, "minute": 15}
